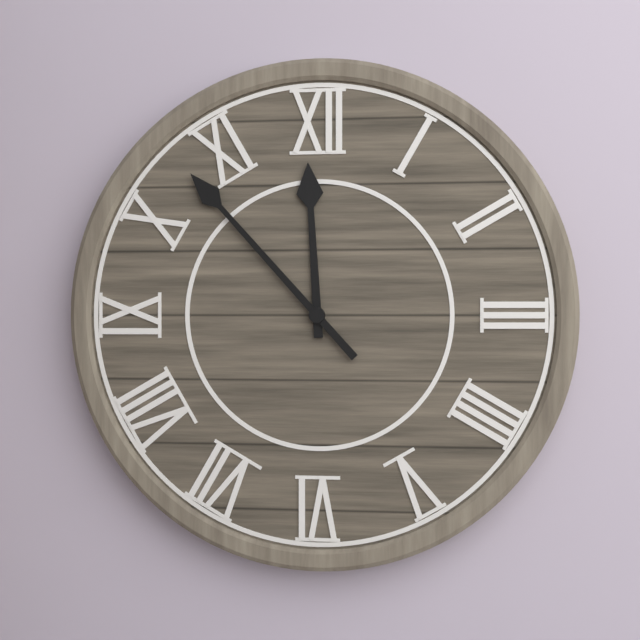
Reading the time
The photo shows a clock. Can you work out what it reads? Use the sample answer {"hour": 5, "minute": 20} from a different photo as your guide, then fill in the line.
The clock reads {"hour": 11, "minute": 53}
